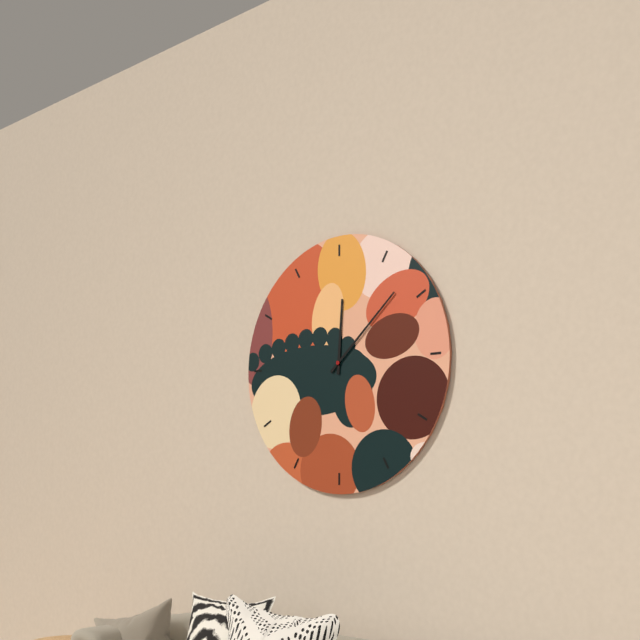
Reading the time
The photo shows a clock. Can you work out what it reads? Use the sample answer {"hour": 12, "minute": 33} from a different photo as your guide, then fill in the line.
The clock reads {"hour": 12, "minute": 8}
